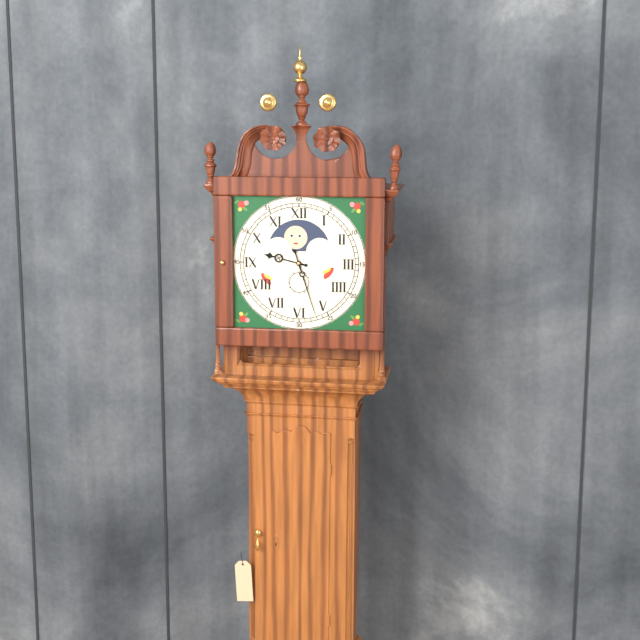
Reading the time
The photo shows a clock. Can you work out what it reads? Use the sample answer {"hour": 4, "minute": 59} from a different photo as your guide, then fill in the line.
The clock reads {"hour": 9, "minute": 27}
